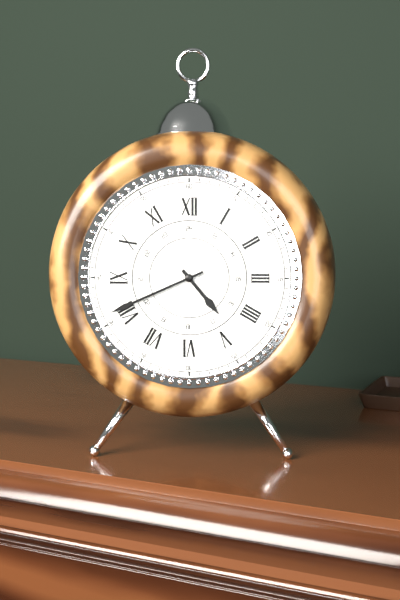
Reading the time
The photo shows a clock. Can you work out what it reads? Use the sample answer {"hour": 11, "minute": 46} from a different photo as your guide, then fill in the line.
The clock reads {"hour": 4, "minute": 41}
